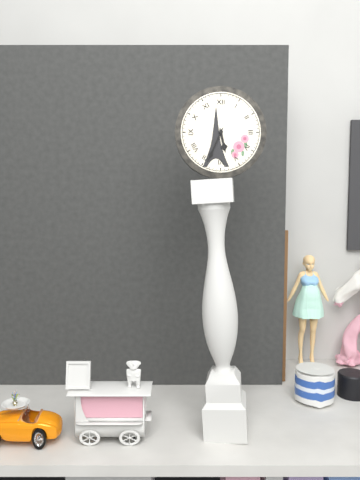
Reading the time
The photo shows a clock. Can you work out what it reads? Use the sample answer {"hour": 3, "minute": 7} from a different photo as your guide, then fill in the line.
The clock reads {"hour": 5, "minute": 34}
